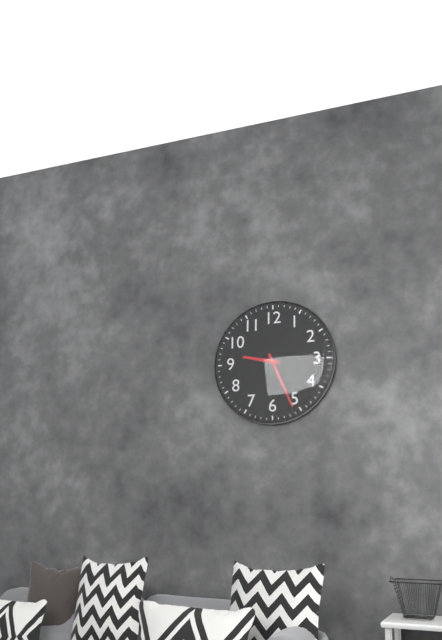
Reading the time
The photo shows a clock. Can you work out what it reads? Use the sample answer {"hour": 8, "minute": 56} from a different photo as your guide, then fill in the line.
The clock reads {"hour": 9, "minute": 26}
